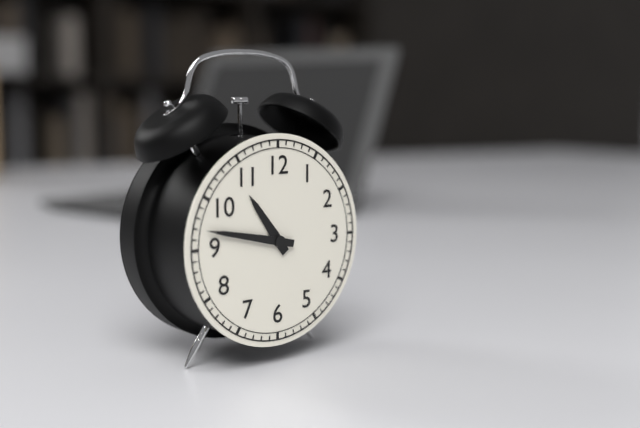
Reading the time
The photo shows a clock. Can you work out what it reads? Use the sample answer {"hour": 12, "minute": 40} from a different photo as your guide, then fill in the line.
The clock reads {"hour": 10, "minute": 47}
